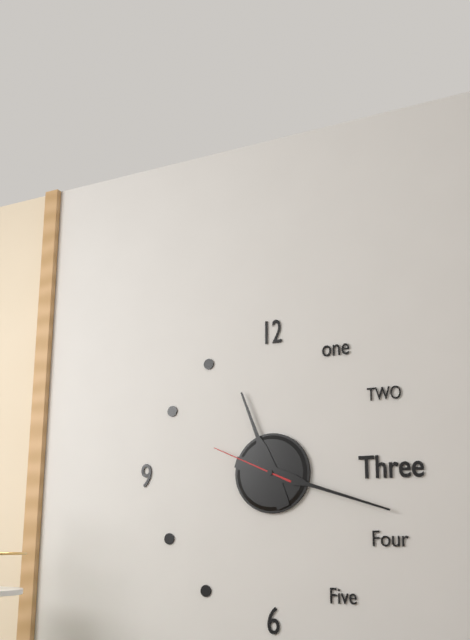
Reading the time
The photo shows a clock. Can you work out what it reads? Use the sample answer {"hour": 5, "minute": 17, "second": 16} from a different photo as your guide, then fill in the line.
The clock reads {"hour": 11, "minute": 18, "second": 49}
